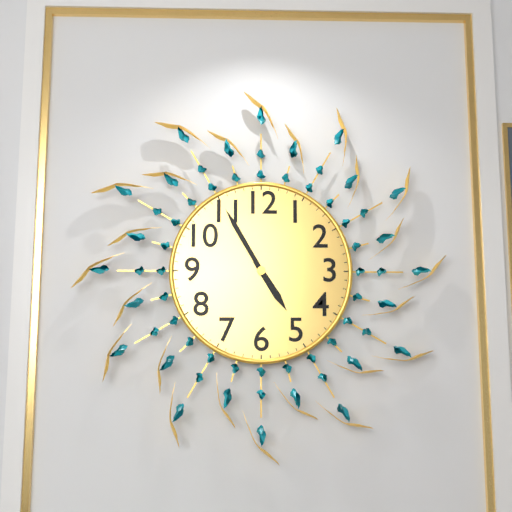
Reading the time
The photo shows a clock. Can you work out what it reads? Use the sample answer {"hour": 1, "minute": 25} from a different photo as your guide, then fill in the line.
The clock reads {"hour": 4, "minute": 55}
